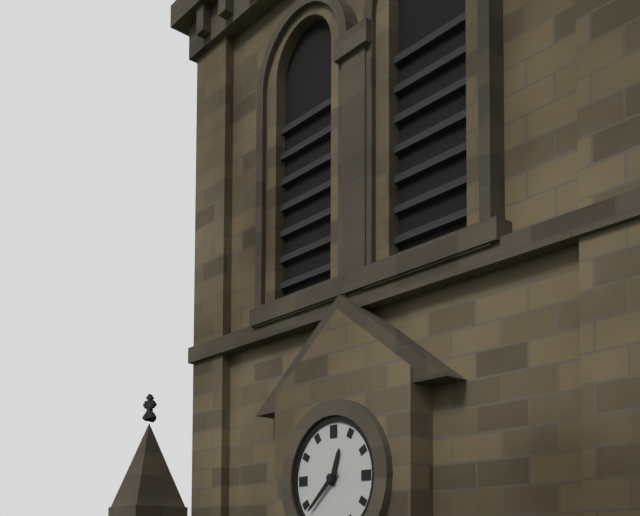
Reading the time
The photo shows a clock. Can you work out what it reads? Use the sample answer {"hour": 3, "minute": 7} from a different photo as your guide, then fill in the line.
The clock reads {"hour": 12, "minute": 38}
